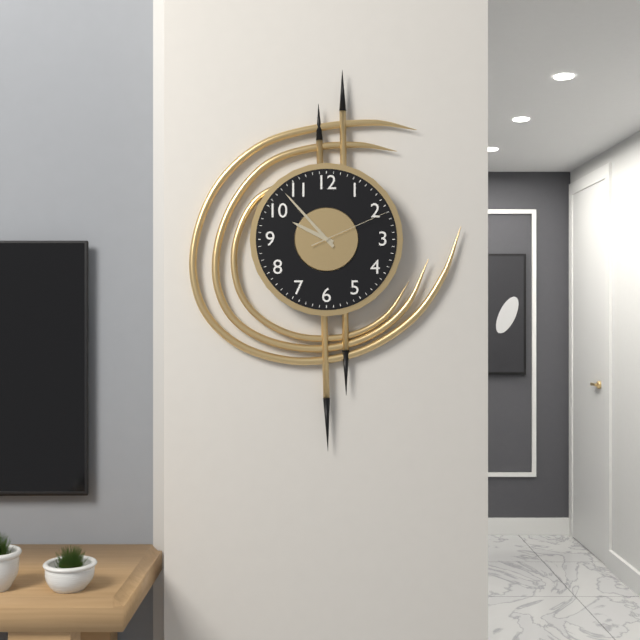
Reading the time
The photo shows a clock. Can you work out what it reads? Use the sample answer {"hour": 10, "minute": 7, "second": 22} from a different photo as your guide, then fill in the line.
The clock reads {"hour": 9, "minute": 53, "second": 11}
